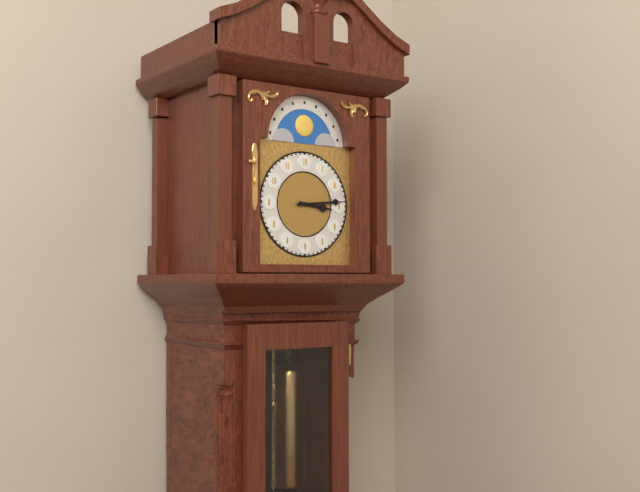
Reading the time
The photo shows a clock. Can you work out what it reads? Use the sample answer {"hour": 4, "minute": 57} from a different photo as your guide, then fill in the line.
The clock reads {"hour": 3, "minute": 14}
